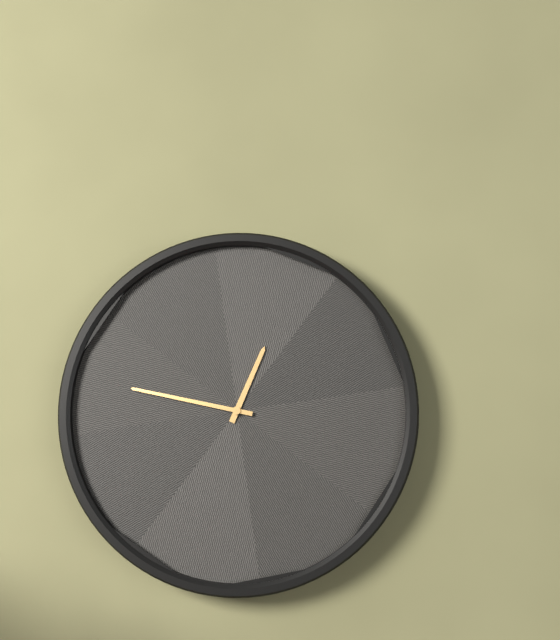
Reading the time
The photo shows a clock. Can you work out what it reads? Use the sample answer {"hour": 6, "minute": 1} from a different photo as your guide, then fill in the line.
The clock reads {"hour": 12, "minute": 47}
